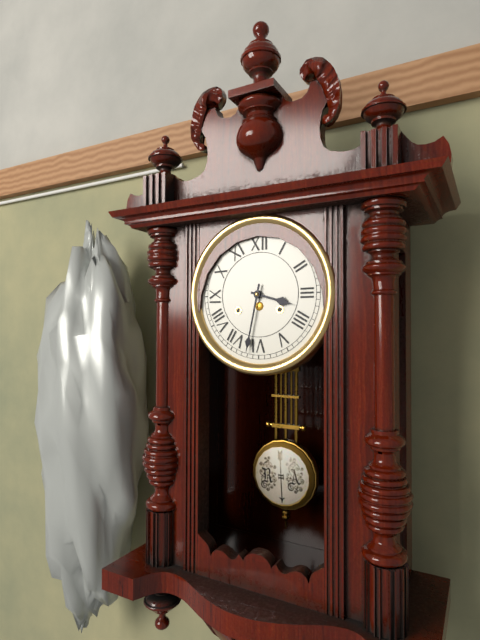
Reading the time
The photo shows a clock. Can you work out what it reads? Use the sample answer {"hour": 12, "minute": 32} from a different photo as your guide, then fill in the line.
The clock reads {"hour": 3, "minute": 32}
